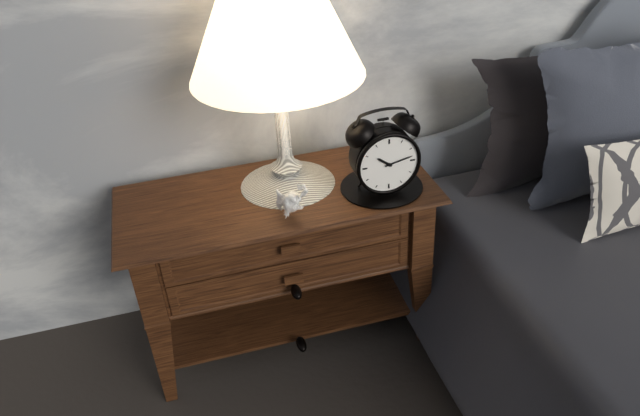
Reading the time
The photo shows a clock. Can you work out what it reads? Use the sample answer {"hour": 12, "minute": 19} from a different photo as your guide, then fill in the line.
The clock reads {"hour": 10, "minute": 13}
